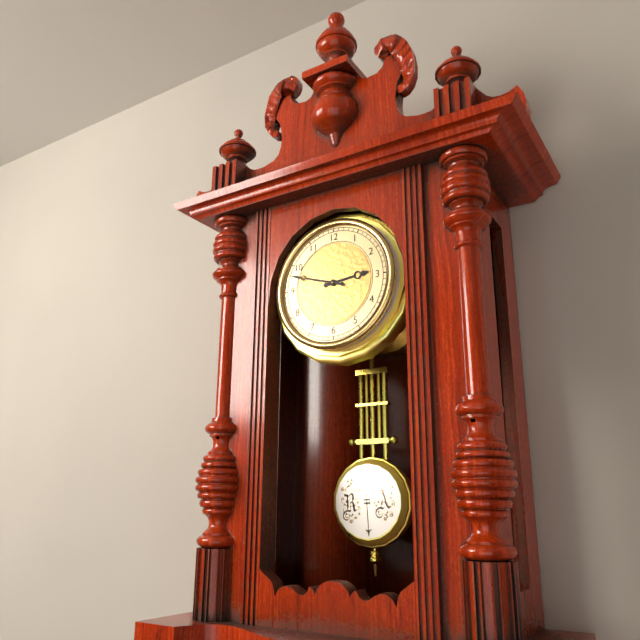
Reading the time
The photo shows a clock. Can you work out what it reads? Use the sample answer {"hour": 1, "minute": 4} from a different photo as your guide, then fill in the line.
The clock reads {"hour": 2, "minute": 48}
